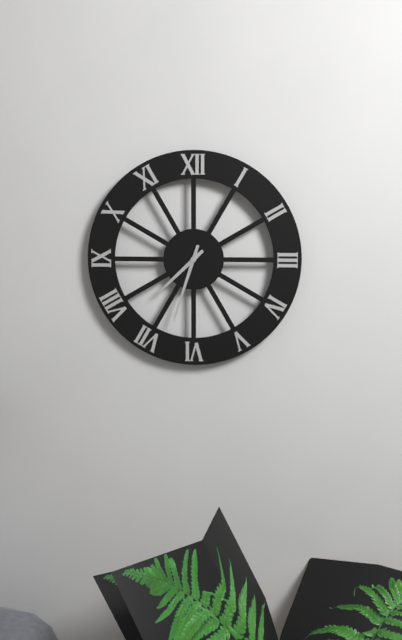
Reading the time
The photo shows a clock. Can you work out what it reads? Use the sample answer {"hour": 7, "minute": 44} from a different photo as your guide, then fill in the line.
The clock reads {"hour": 7, "minute": 33}
